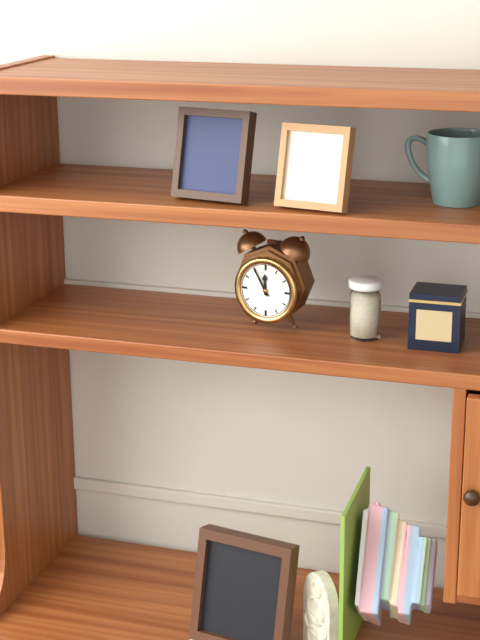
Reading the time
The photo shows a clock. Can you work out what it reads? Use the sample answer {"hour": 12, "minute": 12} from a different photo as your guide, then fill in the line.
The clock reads {"hour": 11, "minute": 55}
